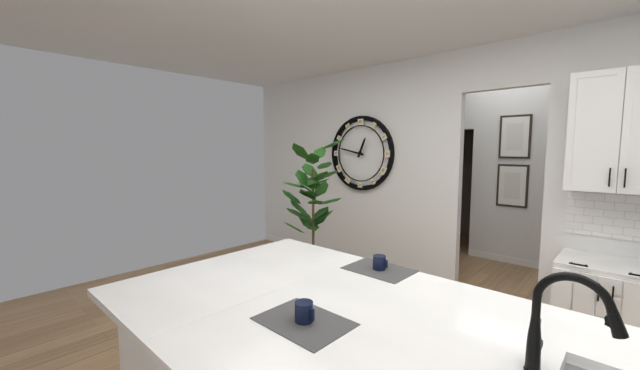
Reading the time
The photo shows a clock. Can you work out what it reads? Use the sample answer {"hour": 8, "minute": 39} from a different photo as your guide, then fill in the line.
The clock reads {"hour": 12, "minute": 47}
